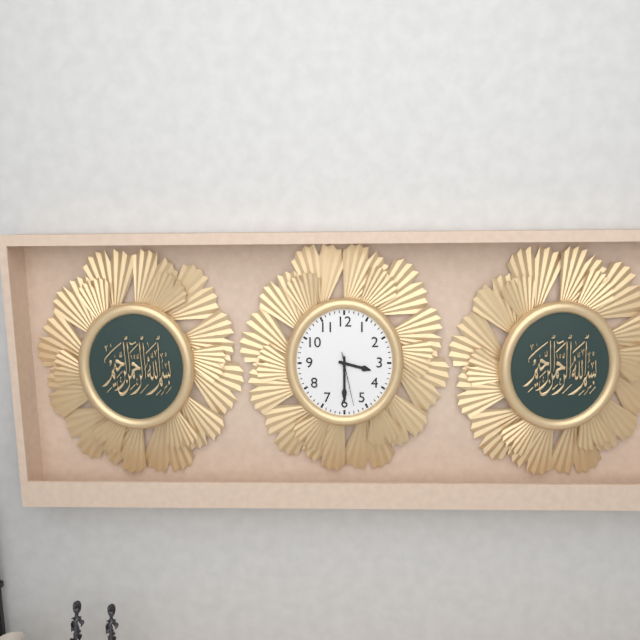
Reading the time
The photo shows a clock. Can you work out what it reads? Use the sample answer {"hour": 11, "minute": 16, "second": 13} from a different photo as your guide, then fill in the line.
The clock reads {"hour": 3, "minute": 30, "second": 28}
